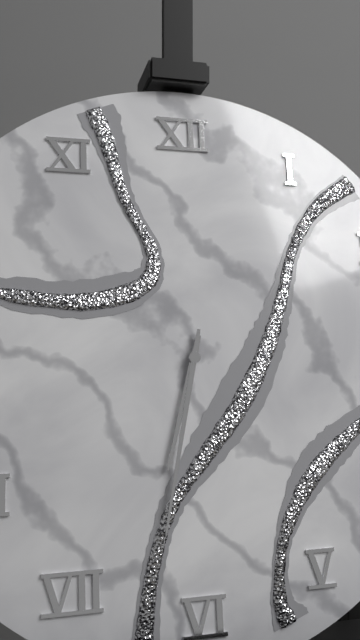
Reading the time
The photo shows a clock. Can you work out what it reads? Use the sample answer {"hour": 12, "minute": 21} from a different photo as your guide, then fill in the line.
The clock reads {"hour": 6, "minute": 32}
